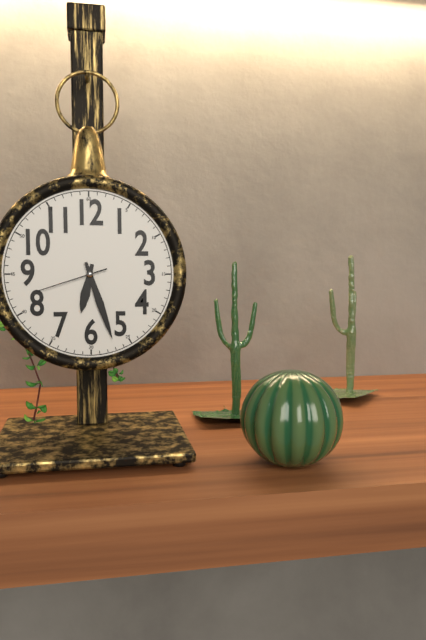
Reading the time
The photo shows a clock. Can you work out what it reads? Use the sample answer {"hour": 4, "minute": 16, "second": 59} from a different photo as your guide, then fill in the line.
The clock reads {"hour": 6, "minute": 27, "second": 42}
